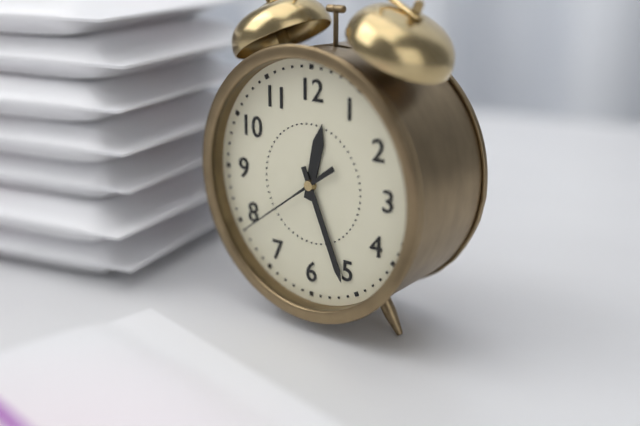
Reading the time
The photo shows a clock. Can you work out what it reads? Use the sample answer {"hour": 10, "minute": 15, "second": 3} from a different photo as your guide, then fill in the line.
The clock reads {"hour": 12, "minute": 26, "second": 39}
